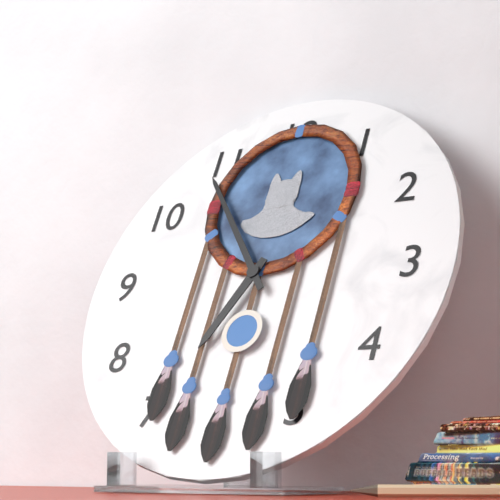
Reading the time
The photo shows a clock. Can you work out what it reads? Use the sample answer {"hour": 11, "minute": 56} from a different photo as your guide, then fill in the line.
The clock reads {"hour": 6, "minute": 54}
